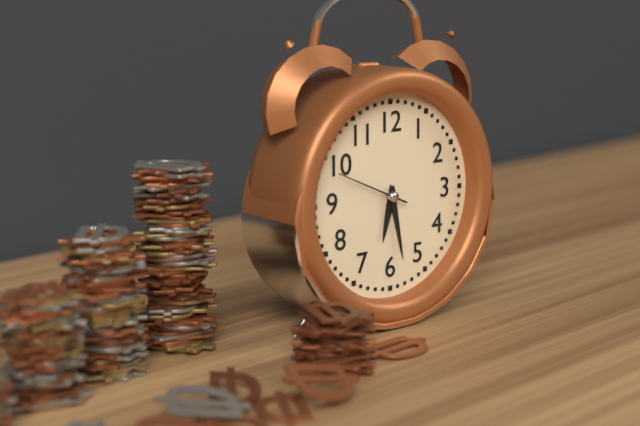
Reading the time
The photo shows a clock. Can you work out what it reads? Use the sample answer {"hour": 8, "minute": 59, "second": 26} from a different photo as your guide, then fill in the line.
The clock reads {"hour": 6, "minute": 28, "second": 49}
